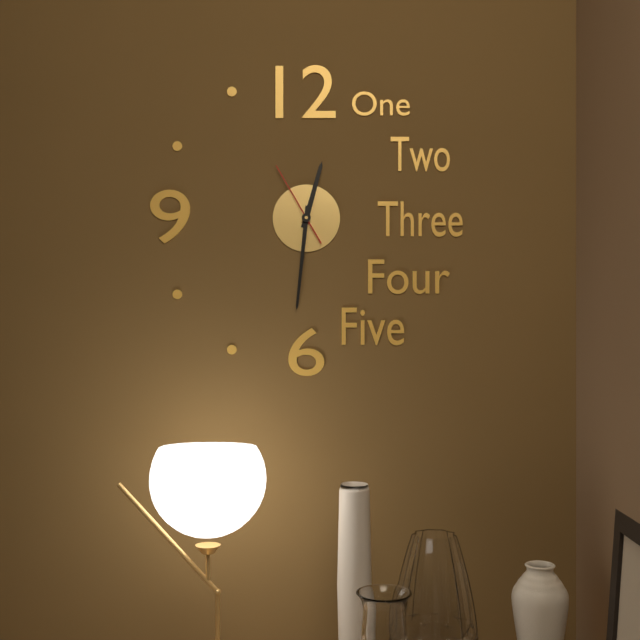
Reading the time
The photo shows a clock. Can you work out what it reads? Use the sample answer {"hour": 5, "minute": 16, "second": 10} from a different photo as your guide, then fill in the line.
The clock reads {"hour": 12, "minute": 31, "second": 55}
